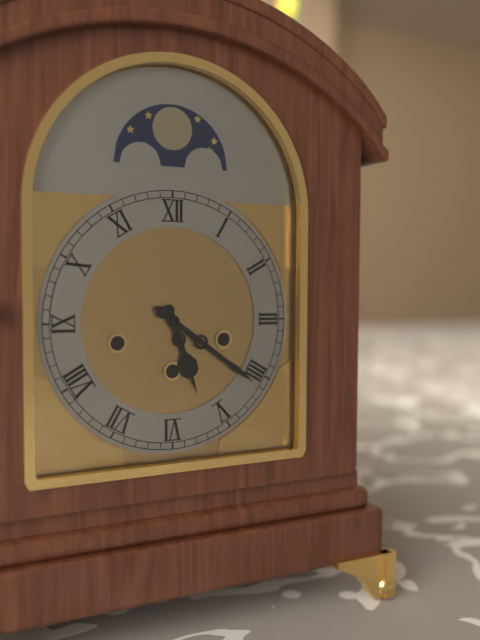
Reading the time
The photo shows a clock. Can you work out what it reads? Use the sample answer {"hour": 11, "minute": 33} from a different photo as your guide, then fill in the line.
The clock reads {"hour": 5, "minute": 21}
